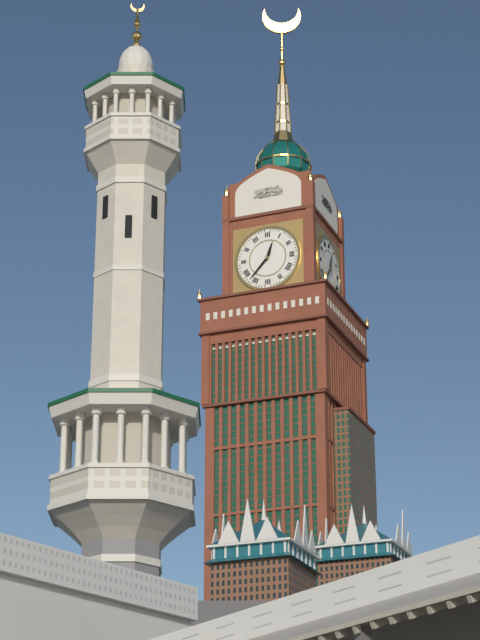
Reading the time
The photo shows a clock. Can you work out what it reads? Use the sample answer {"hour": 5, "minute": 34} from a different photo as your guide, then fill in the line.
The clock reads {"hour": 12, "minute": 37}
